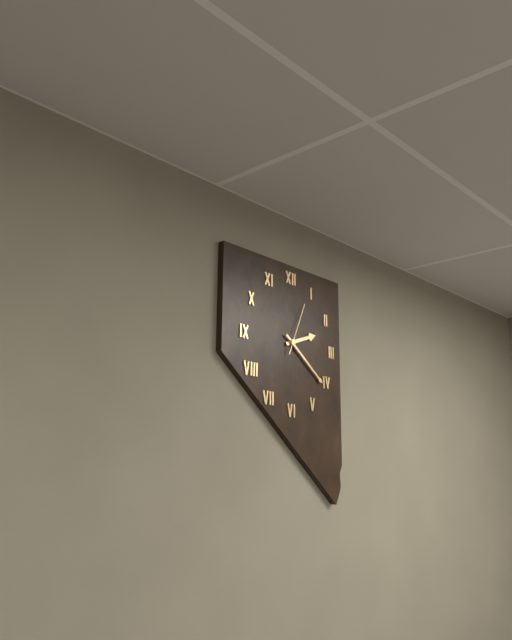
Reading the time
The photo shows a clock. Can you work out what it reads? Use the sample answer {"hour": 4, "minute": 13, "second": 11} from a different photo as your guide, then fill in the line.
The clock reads {"hour": 2, "minute": 21, "second": 4}
